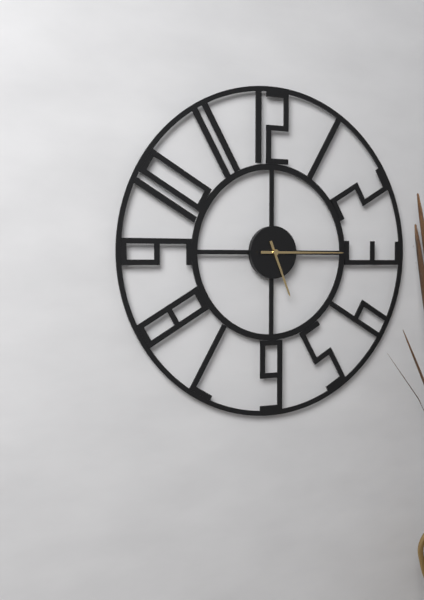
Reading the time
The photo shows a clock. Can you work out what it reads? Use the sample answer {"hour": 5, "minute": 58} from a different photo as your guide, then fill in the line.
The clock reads {"hour": 5, "minute": 15}
